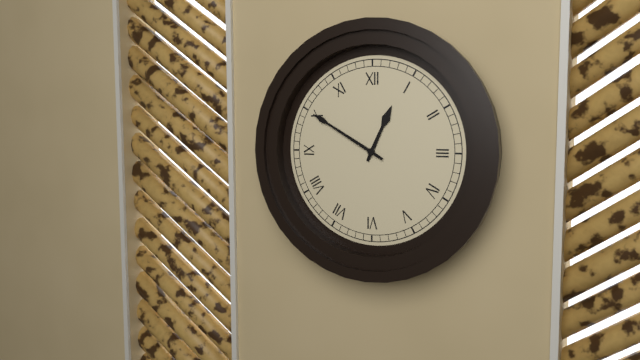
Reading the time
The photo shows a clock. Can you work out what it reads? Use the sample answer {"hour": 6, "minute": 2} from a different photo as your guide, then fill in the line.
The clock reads {"hour": 12, "minute": 50}
